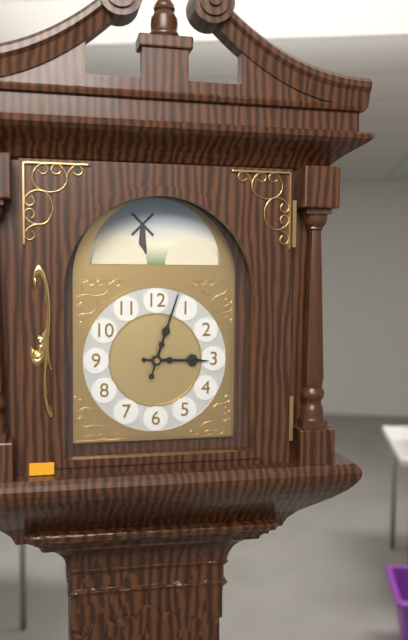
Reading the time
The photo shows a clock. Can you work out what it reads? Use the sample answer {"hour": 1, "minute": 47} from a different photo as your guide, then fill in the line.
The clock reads {"hour": 3, "minute": 3}
